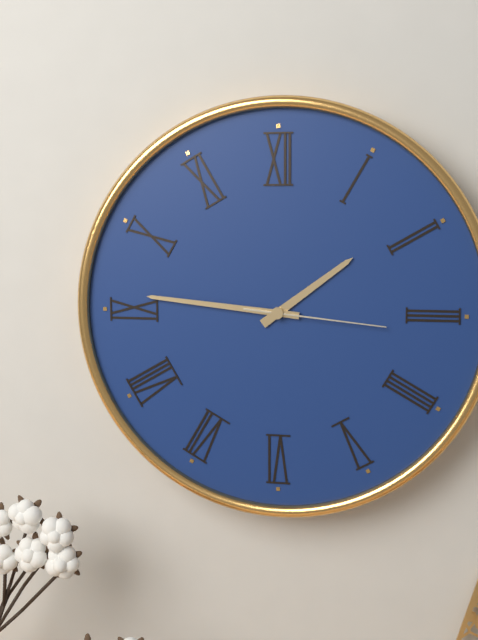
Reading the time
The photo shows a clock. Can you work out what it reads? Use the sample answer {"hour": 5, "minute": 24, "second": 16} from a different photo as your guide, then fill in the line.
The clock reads {"hour": 1, "minute": 46, "second": 16}
